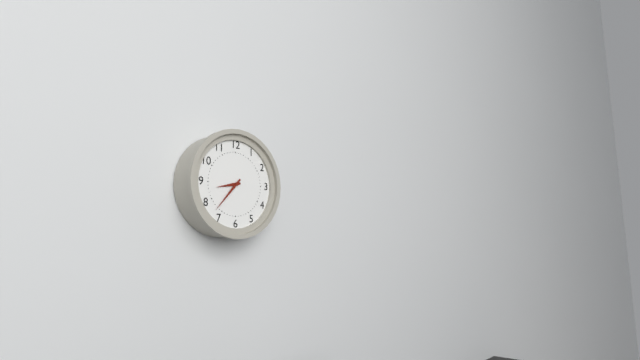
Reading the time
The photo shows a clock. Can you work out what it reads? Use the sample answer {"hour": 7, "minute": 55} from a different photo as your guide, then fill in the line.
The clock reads {"hour": 8, "minute": 37}
